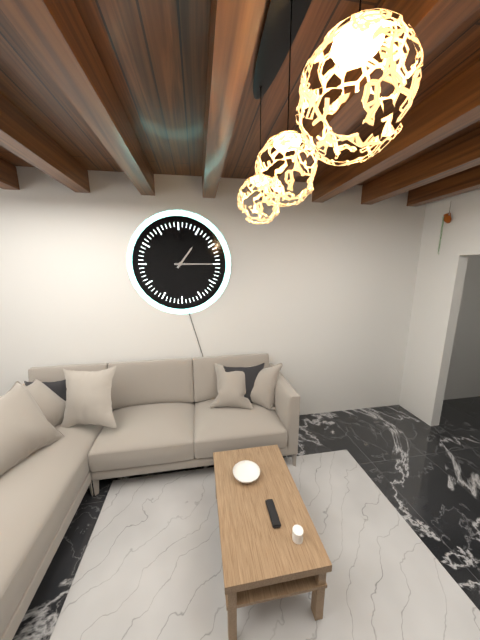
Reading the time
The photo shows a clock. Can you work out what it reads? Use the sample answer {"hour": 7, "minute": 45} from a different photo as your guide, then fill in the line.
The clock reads {"hour": 1, "minute": 15}
